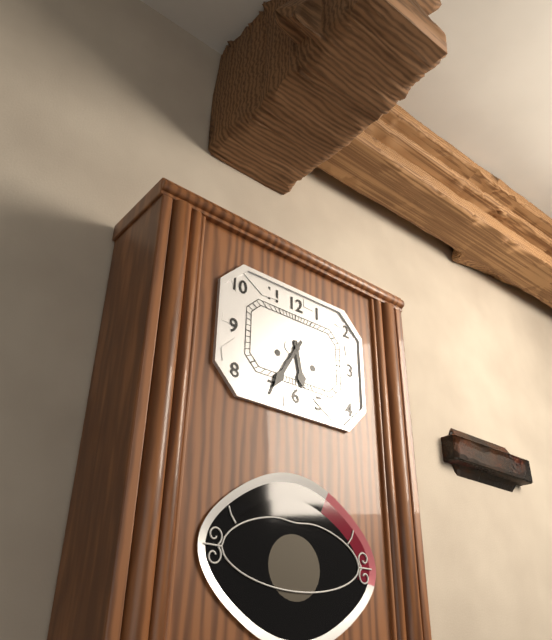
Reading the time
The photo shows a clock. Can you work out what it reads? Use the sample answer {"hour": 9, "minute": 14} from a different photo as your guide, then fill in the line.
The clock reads {"hour": 5, "minute": 35}
